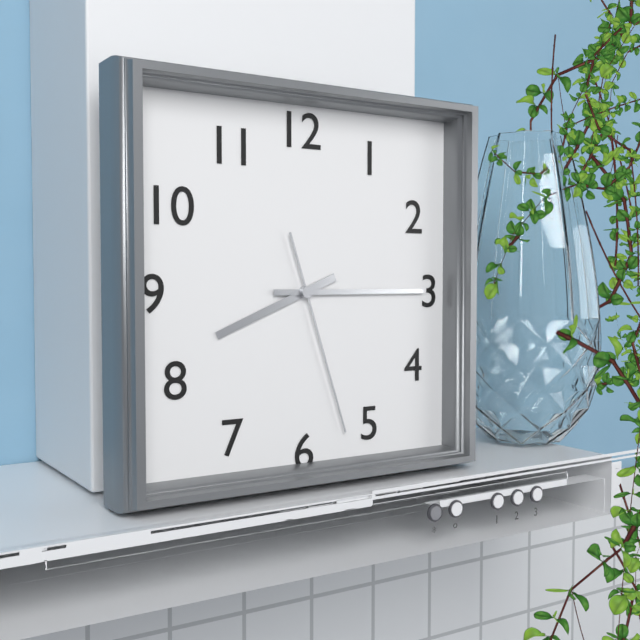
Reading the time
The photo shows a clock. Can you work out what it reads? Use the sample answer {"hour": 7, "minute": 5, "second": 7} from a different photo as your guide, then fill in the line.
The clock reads {"hour": 8, "minute": 15, "second": 27}
